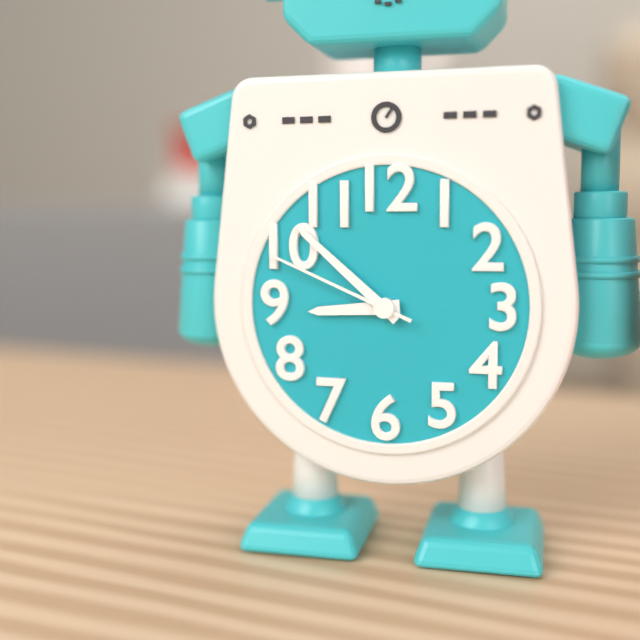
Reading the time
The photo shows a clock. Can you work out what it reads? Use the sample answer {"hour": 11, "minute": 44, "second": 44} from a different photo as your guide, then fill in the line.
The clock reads {"hour": 8, "minute": 52, "second": 49}
